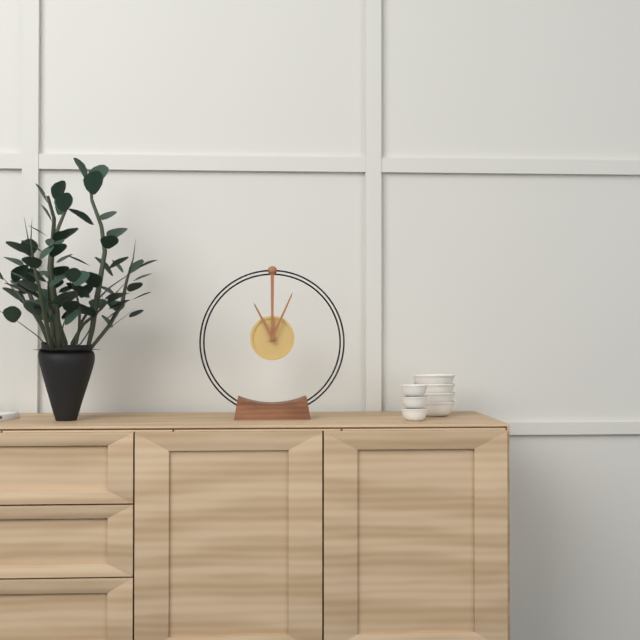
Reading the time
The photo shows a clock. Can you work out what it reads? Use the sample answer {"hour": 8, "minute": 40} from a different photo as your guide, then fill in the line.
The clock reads {"hour": 11, "minute": 4}
